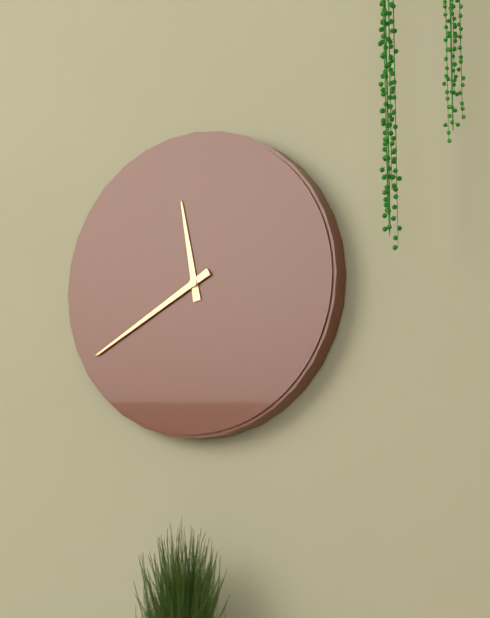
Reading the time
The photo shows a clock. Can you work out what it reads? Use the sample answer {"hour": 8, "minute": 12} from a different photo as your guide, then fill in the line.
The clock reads {"hour": 11, "minute": 40}
